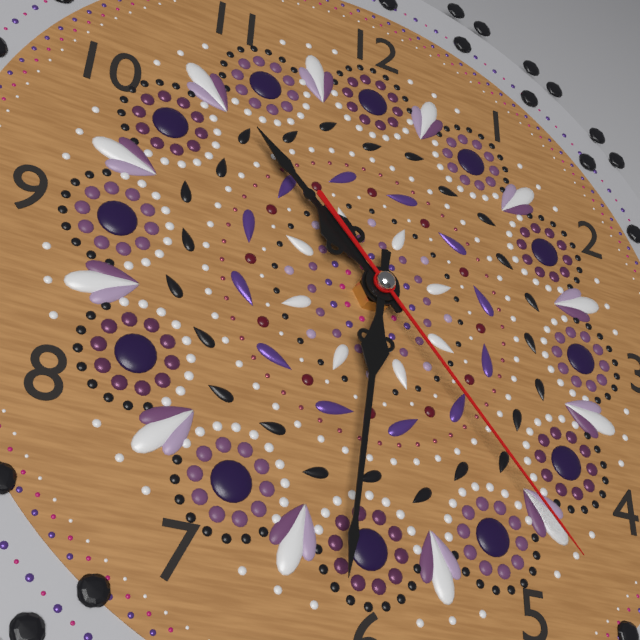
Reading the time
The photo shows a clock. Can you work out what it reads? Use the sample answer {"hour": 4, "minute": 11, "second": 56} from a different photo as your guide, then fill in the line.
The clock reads {"hour": 10, "minute": 31, "second": 23}
